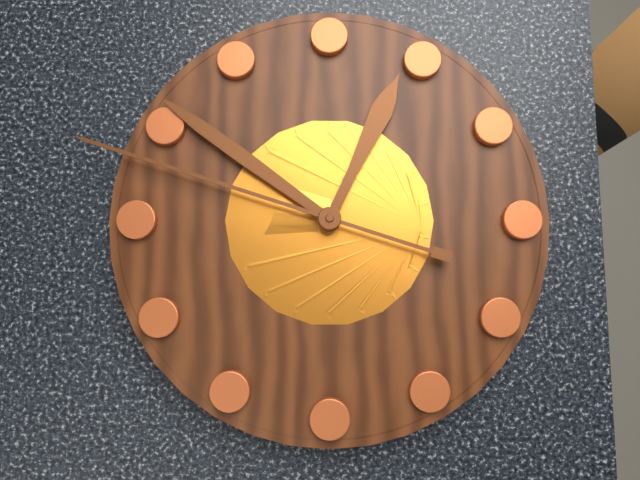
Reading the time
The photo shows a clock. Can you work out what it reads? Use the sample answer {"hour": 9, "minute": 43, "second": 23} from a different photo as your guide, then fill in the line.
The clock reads {"hour": 12, "minute": 51, "second": 48}
